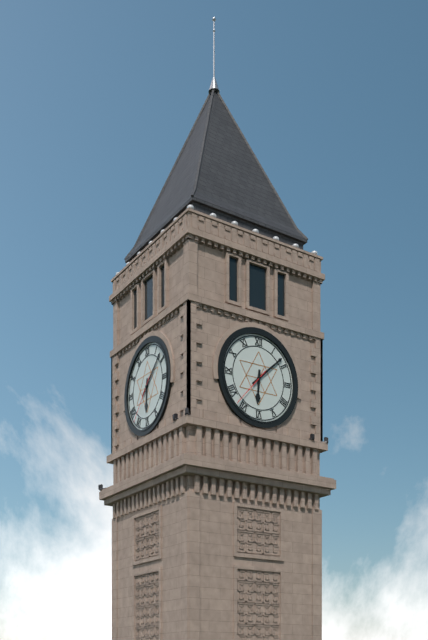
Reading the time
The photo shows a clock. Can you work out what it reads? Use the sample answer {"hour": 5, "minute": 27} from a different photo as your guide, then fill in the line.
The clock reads {"hour": 6, "minute": 8}
